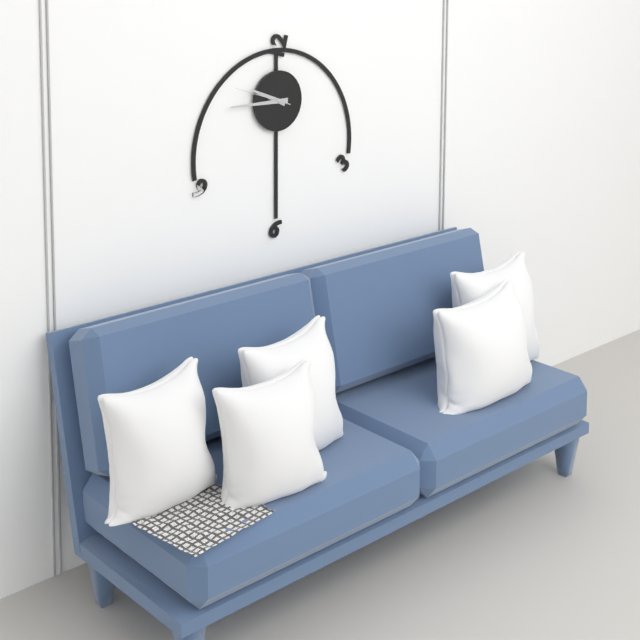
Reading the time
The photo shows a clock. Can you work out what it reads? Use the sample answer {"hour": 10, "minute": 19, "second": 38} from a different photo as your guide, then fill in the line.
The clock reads {"hour": 9, "minute": 45, "second": 48}
